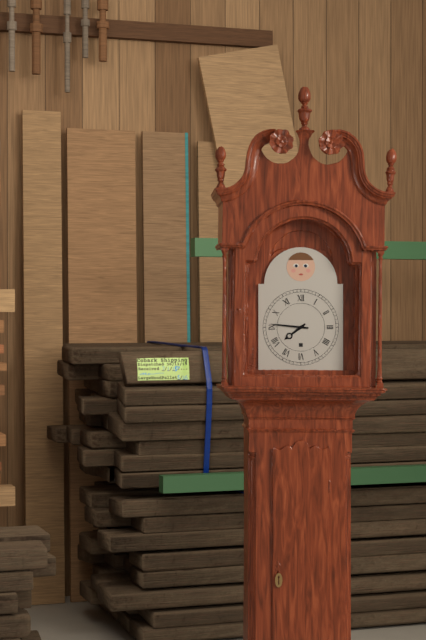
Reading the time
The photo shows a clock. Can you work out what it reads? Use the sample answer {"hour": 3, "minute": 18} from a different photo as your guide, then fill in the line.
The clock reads {"hour": 7, "minute": 46}
